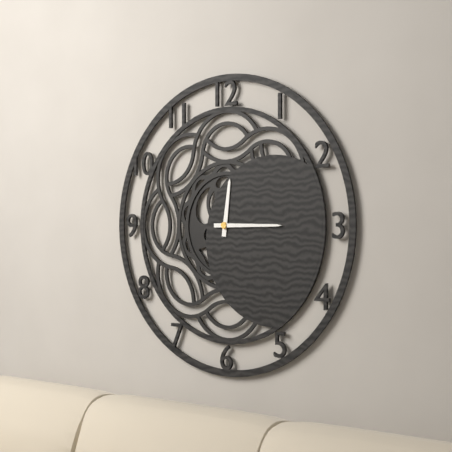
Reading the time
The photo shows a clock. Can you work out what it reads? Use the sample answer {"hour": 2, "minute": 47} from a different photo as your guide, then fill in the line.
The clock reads {"hour": 12, "minute": 15}
